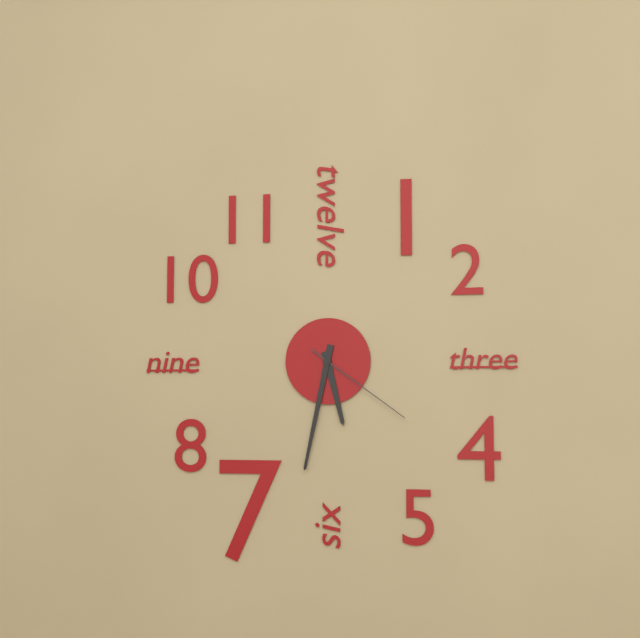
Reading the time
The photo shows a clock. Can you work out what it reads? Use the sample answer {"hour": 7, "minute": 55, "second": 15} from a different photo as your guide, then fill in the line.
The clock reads {"hour": 5, "minute": 32, "second": 21}
